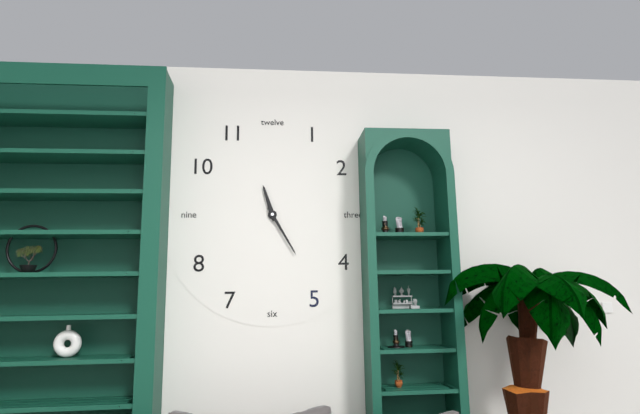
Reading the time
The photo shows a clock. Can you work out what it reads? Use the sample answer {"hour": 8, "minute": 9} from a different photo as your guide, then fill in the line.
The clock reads {"hour": 11, "minute": 25}
